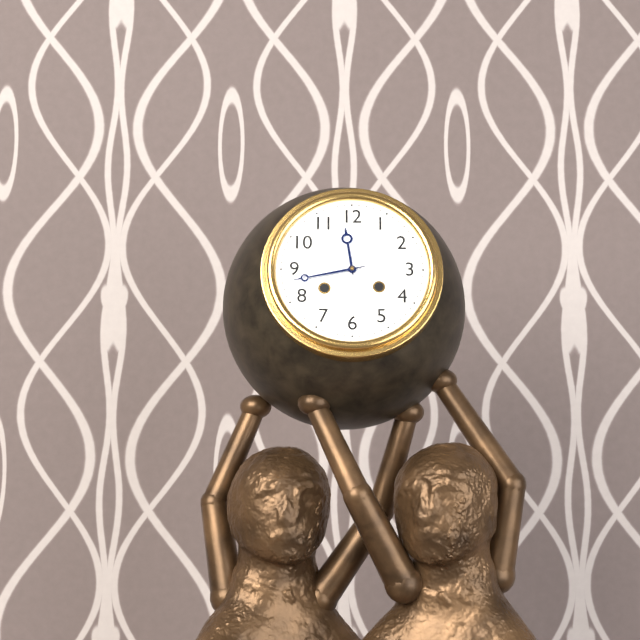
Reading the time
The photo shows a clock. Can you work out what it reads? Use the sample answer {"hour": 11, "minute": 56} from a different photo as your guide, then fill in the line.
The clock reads {"hour": 11, "minute": 43}
